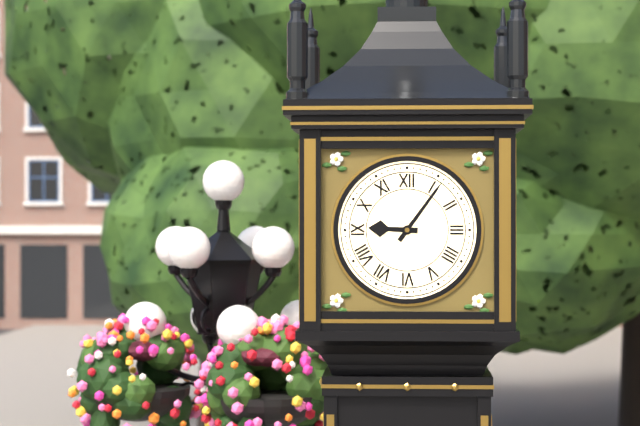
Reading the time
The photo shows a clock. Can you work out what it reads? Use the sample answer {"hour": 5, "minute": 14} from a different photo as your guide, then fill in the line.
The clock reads {"hour": 9, "minute": 6}
